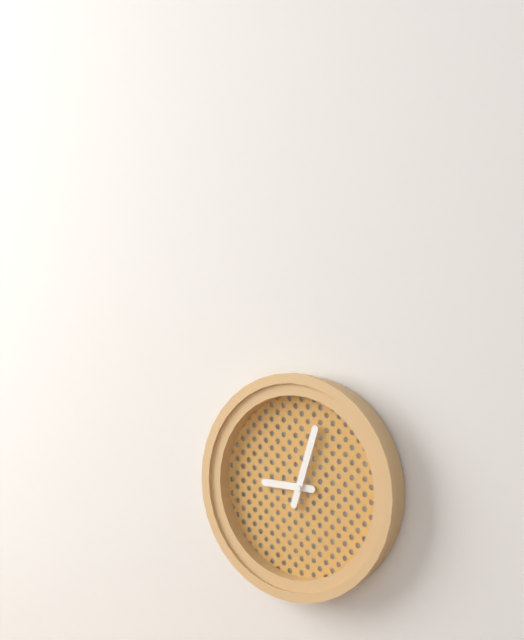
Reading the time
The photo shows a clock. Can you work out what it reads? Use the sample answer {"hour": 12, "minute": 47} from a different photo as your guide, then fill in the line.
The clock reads {"hour": 9, "minute": 3}
